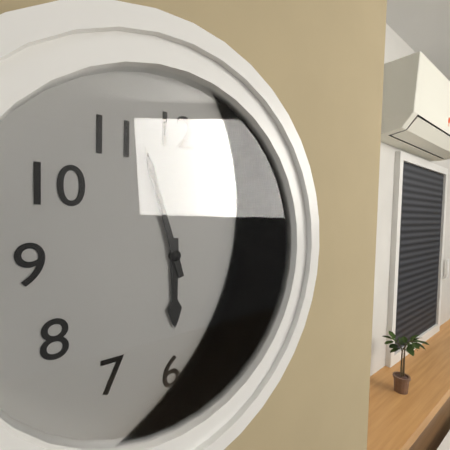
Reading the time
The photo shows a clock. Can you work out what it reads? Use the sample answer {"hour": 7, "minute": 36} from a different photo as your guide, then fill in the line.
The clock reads {"hour": 5, "minute": 57}
